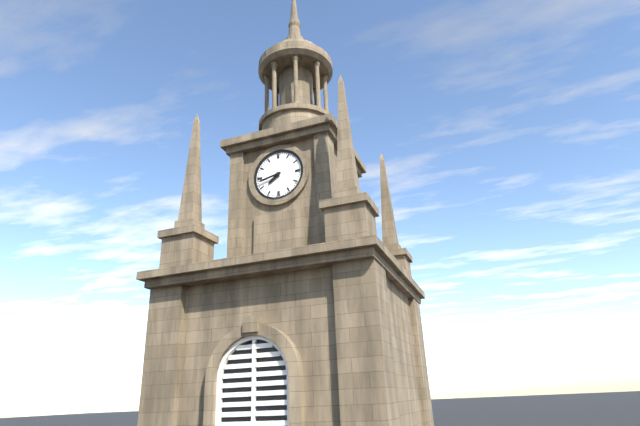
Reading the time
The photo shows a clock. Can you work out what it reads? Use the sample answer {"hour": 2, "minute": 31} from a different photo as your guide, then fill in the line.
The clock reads {"hour": 7, "minute": 43}
